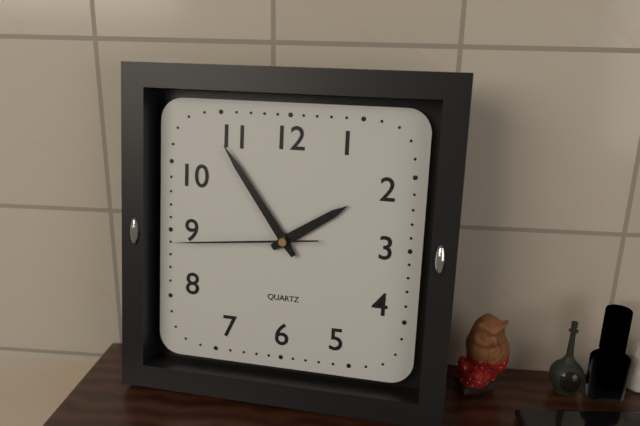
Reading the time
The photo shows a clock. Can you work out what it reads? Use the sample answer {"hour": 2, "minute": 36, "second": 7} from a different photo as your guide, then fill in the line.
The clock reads {"hour": 1, "minute": 54, "second": 44}
